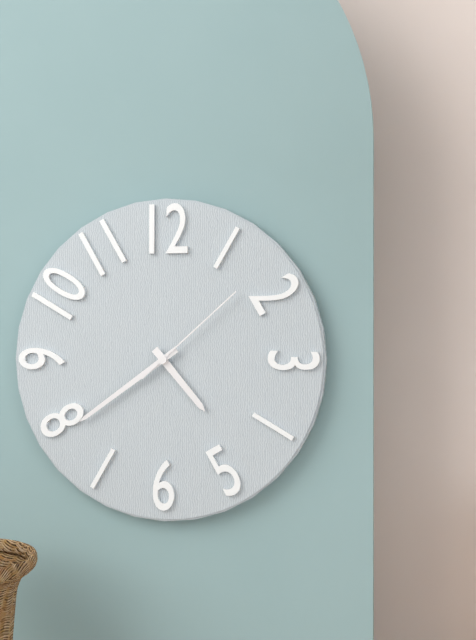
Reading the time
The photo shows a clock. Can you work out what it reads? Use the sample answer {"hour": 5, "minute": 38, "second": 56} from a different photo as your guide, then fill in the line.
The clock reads {"hour": 4, "minute": 39, "second": 8}
